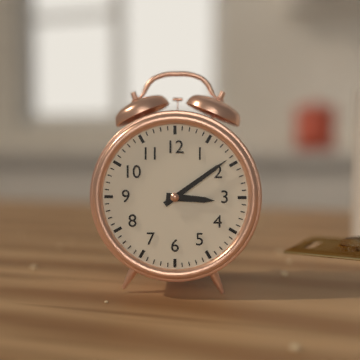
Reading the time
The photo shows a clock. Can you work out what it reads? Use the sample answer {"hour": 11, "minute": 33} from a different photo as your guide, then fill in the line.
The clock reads {"hour": 3, "minute": 9}
